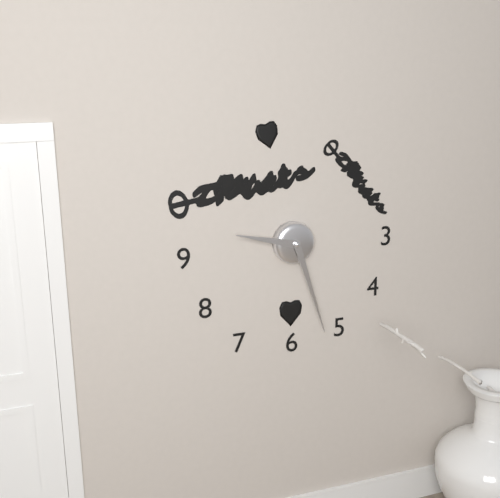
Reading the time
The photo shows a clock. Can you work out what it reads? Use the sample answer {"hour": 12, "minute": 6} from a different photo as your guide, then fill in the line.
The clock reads {"hour": 9, "minute": 27}
